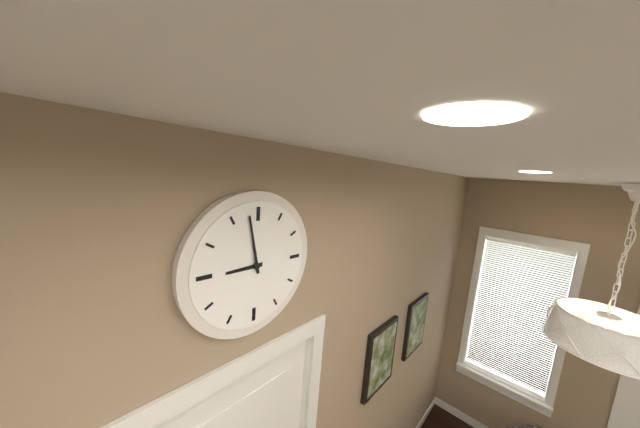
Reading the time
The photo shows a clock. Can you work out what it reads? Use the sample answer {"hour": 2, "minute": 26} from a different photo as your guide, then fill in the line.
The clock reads {"hour": 8, "minute": 58}
